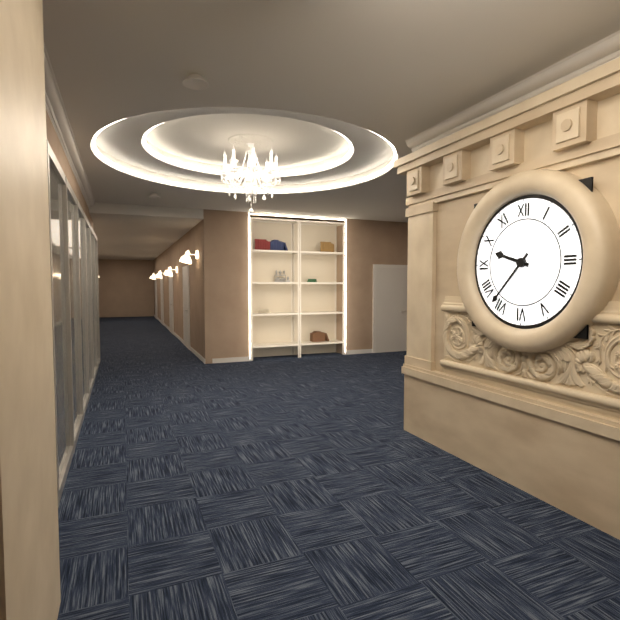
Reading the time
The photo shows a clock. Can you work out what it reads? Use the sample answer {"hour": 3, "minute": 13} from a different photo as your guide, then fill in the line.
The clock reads {"hour": 9, "minute": 37}
